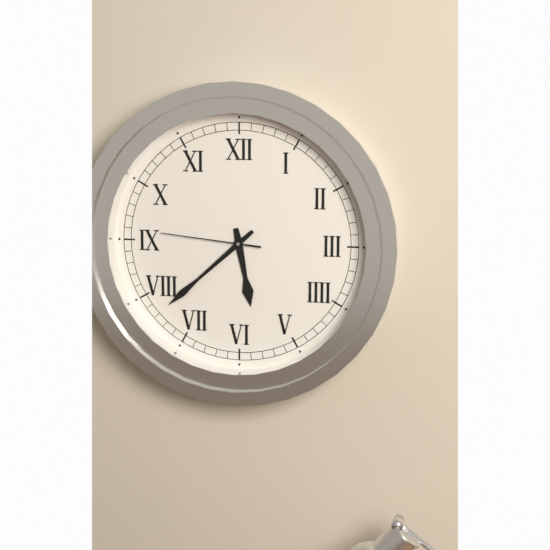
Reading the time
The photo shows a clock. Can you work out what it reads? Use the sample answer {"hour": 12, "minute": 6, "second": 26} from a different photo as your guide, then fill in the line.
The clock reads {"hour": 5, "minute": 38, "second": 46}
